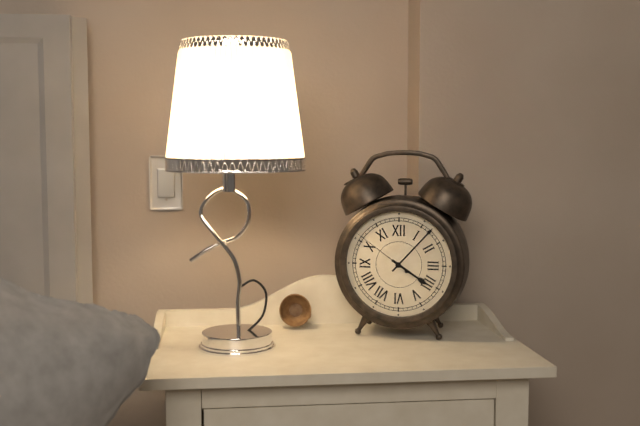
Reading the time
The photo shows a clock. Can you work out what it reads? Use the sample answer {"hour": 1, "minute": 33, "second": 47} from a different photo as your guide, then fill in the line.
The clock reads {"hour": 4, "minute": 7, "second": 51}
